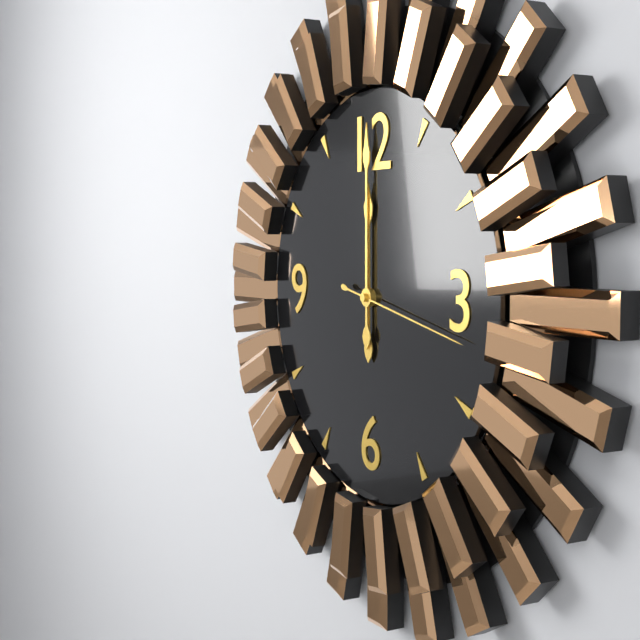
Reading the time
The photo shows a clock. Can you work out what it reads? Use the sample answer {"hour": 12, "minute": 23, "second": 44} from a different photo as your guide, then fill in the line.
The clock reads {"hour": 12, "minute": 0, "second": 17}
